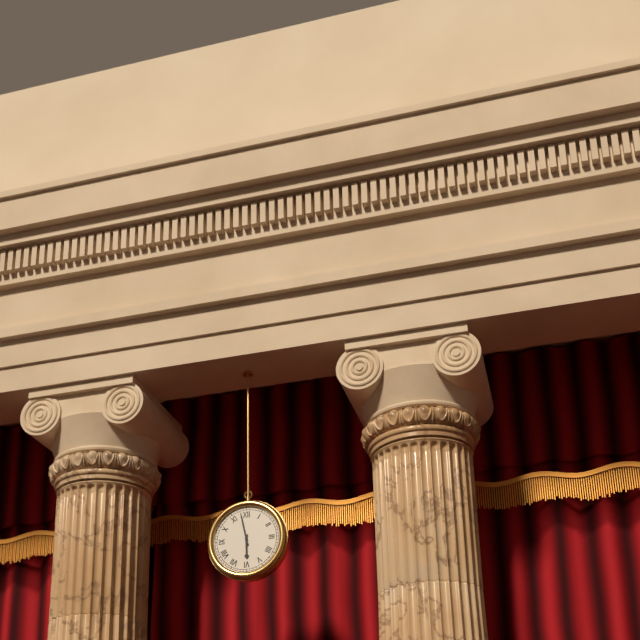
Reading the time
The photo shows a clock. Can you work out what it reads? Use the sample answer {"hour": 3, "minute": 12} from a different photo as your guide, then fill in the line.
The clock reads {"hour": 5, "minute": 58}
